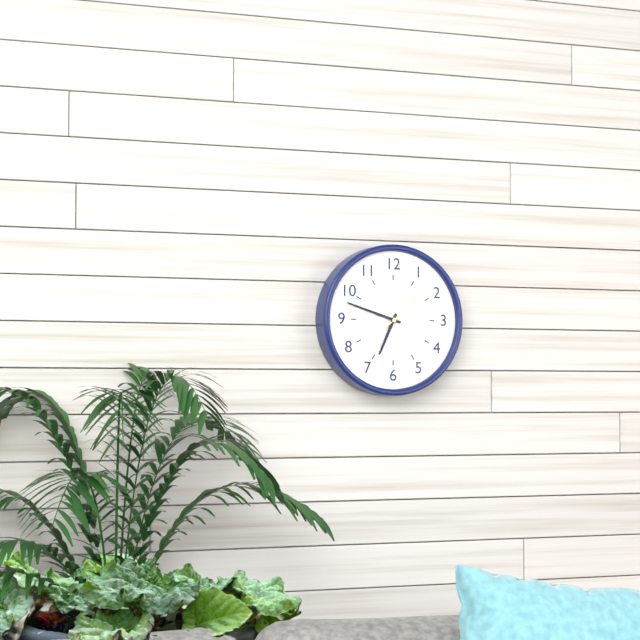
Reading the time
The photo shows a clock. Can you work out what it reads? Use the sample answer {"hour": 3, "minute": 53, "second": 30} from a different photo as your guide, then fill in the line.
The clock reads {"hour": 6, "minute": 48, "second": 8}
